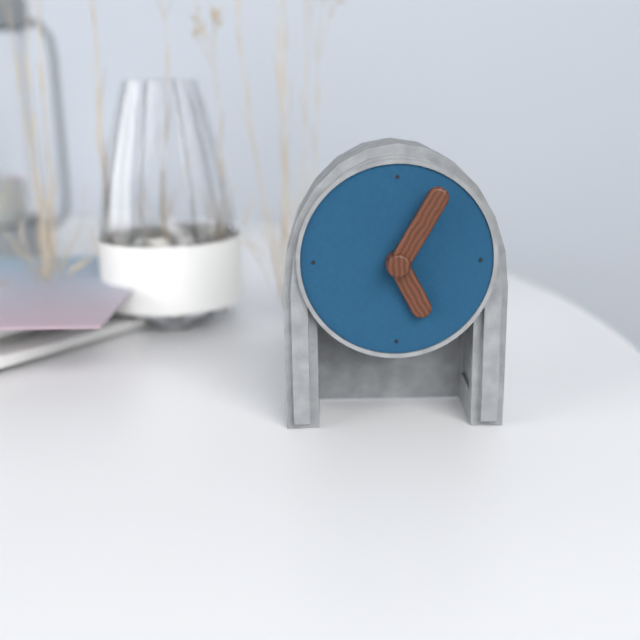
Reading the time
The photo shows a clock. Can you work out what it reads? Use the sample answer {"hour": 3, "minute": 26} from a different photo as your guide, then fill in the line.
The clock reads {"hour": 5, "minute": 5}
